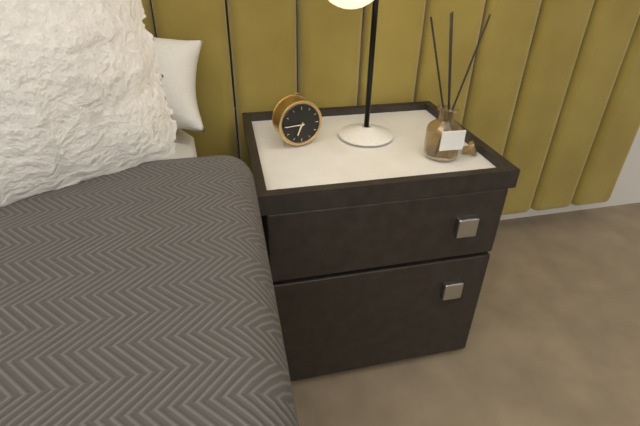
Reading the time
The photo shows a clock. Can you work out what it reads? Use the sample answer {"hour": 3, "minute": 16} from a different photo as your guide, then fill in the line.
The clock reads {"hour": 6, "minute": 45}
